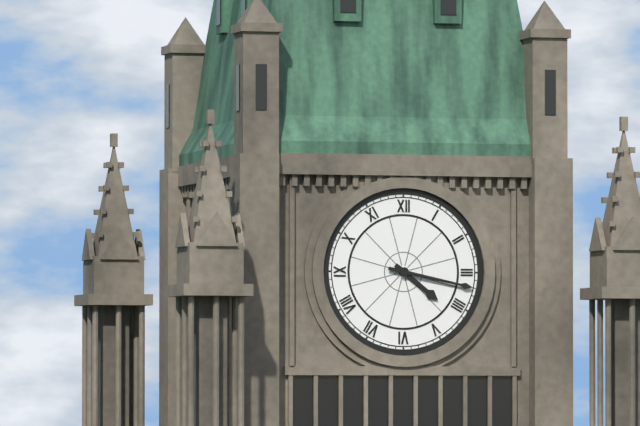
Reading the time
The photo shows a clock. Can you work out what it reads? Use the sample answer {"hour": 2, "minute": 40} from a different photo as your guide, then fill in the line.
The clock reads {"hour": 4, "minute": 17}
